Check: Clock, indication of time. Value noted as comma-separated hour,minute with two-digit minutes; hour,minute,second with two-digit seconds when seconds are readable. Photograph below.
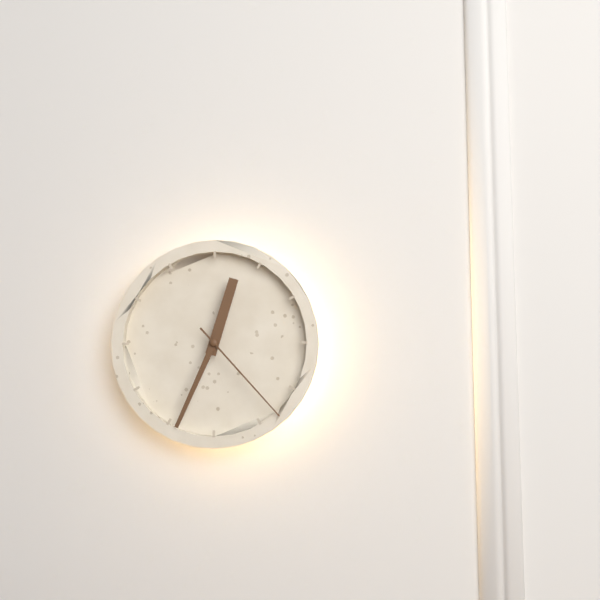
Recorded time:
12,34,23
